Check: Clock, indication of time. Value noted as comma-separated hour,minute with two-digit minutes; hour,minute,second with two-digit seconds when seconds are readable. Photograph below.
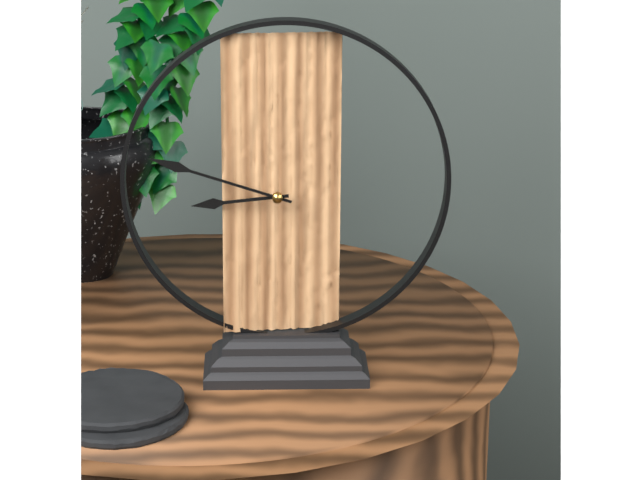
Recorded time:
8,48
